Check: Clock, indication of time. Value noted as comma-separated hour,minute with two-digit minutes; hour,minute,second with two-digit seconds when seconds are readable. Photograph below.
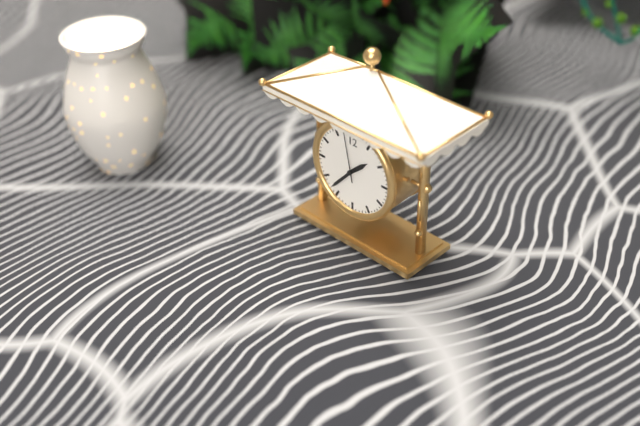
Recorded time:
1,37
